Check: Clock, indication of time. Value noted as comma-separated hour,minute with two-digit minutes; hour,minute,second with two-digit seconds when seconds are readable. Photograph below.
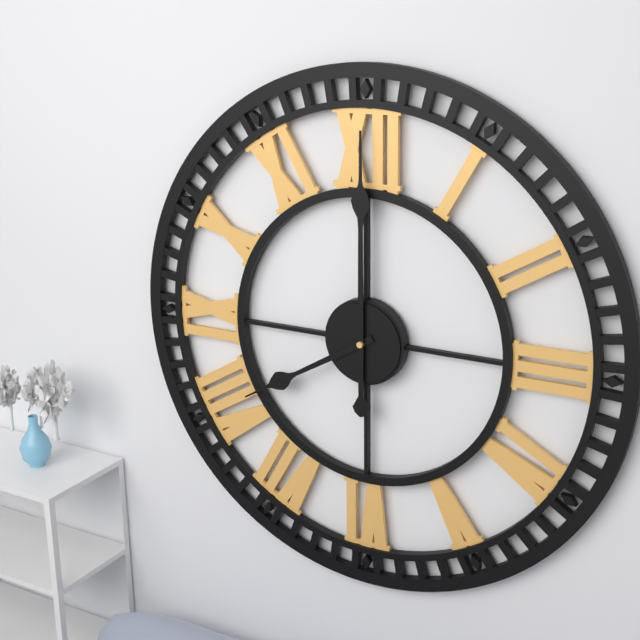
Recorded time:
8,00
